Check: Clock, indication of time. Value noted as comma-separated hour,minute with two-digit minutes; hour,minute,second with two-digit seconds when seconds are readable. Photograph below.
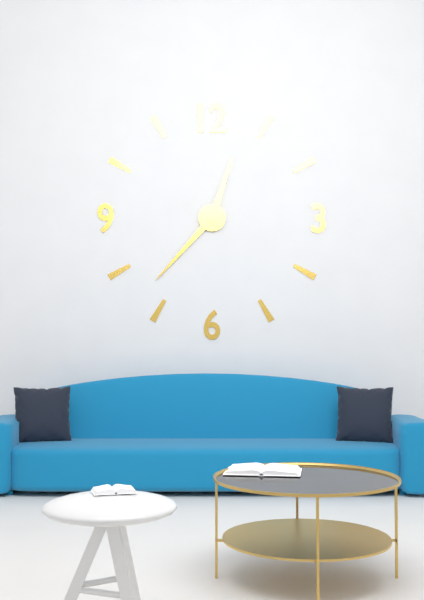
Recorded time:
12,37
